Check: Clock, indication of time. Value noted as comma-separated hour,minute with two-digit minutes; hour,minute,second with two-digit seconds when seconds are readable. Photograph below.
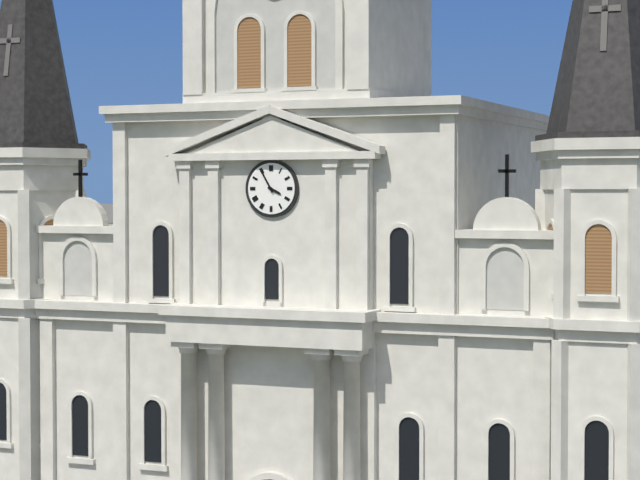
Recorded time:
3,55
